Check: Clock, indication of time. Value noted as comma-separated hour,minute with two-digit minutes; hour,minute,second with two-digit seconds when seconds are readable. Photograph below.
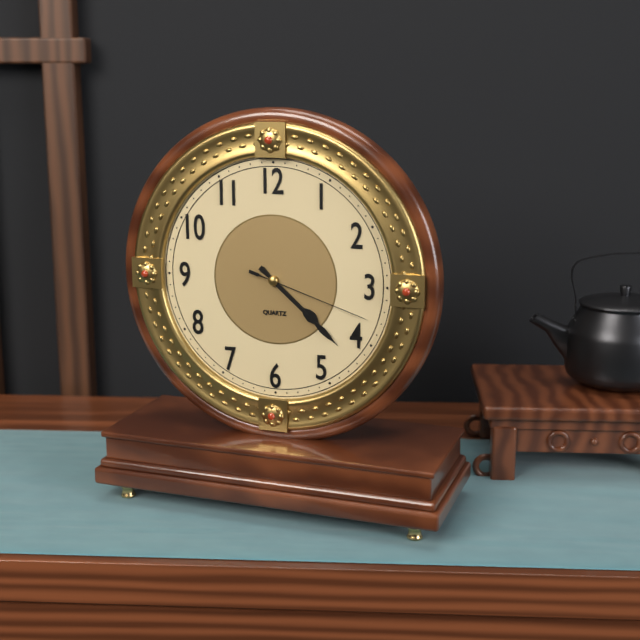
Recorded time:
4,22,18
